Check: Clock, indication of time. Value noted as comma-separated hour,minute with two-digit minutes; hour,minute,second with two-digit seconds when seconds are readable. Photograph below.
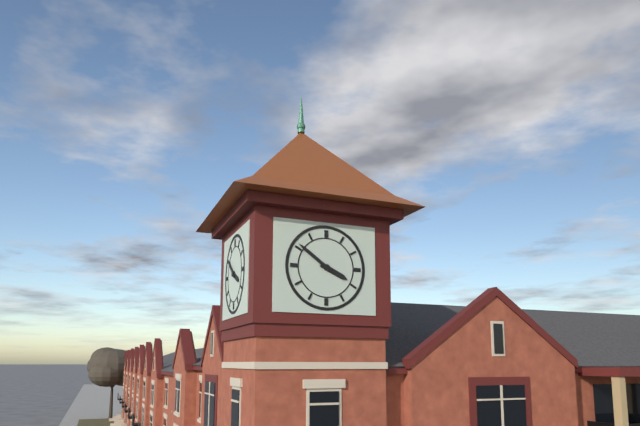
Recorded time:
3,51
